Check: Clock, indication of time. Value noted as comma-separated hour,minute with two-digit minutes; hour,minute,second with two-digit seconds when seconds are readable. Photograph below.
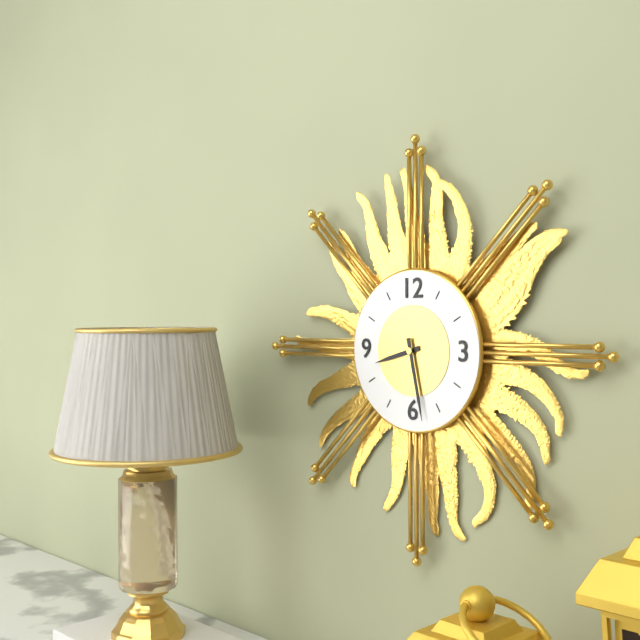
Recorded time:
8,28
